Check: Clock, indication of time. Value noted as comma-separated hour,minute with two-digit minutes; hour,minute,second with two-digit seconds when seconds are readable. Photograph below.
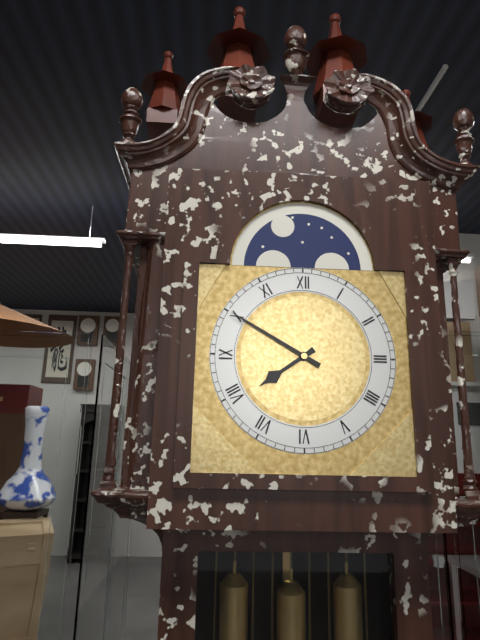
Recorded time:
7,50
